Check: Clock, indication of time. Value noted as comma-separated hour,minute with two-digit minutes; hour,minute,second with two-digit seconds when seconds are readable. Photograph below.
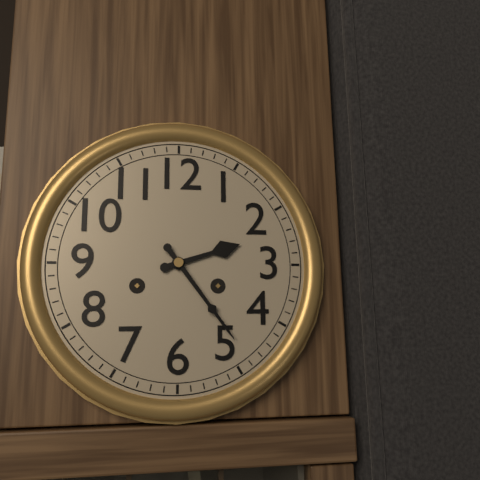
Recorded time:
2,24
